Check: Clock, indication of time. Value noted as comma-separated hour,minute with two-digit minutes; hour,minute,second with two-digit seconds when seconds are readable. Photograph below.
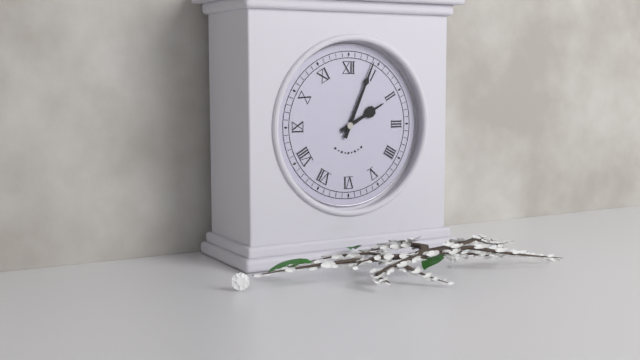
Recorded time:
2,04
